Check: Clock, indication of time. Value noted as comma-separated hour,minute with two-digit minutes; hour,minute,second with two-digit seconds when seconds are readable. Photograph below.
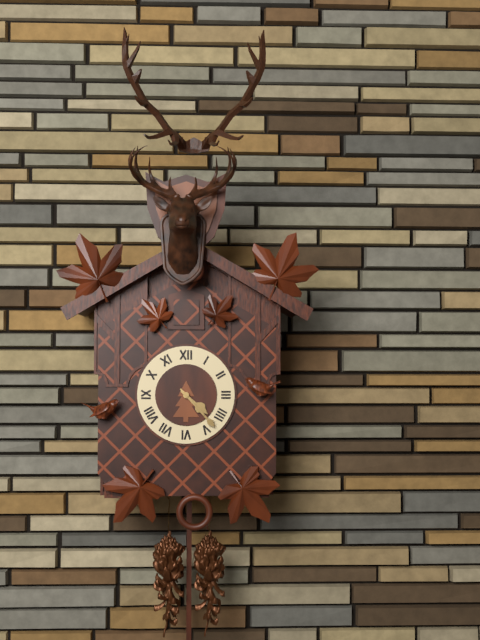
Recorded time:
4,23
